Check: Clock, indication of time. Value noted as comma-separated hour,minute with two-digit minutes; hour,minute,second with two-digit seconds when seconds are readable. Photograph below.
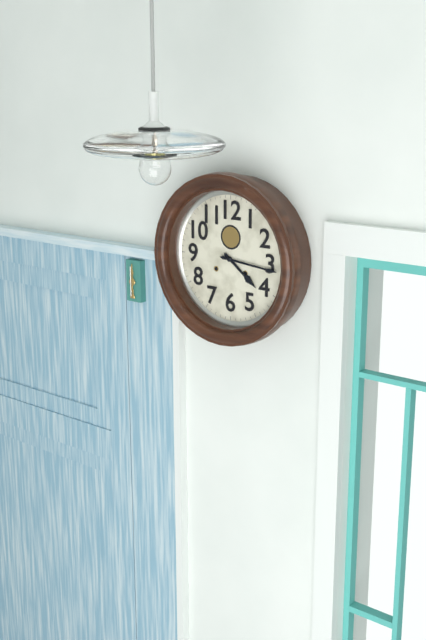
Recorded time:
4,16
